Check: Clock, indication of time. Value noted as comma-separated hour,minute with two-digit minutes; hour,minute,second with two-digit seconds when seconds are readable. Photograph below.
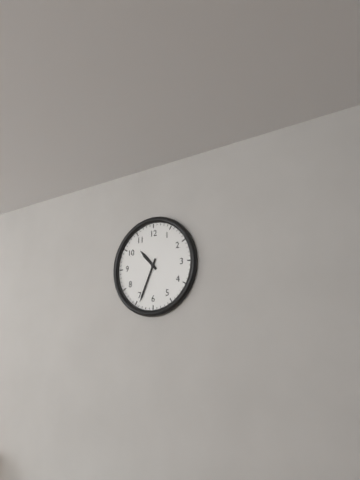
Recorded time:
10,34
